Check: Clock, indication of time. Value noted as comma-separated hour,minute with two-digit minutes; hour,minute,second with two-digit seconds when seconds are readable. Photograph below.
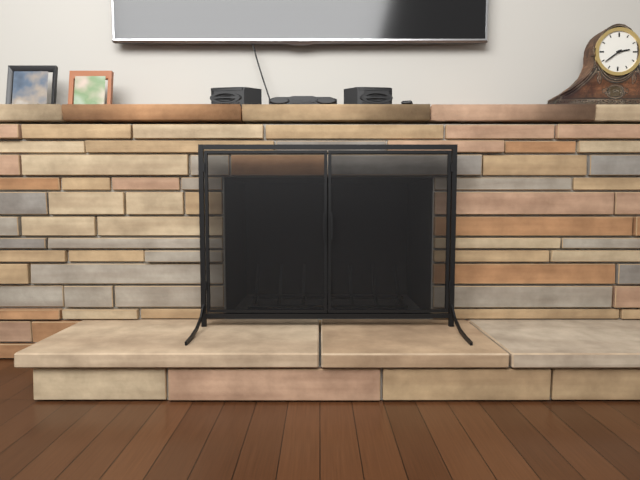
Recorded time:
2,39
